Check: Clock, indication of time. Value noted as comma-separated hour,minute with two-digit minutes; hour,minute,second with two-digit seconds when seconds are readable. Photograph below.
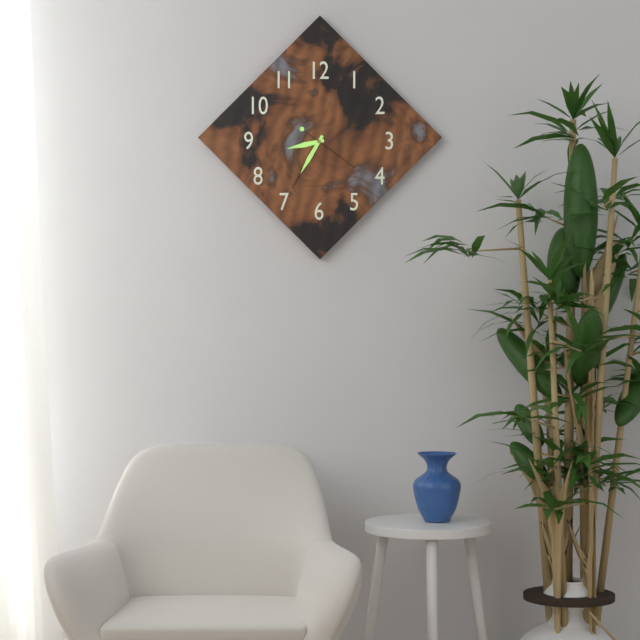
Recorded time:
8,35,21
